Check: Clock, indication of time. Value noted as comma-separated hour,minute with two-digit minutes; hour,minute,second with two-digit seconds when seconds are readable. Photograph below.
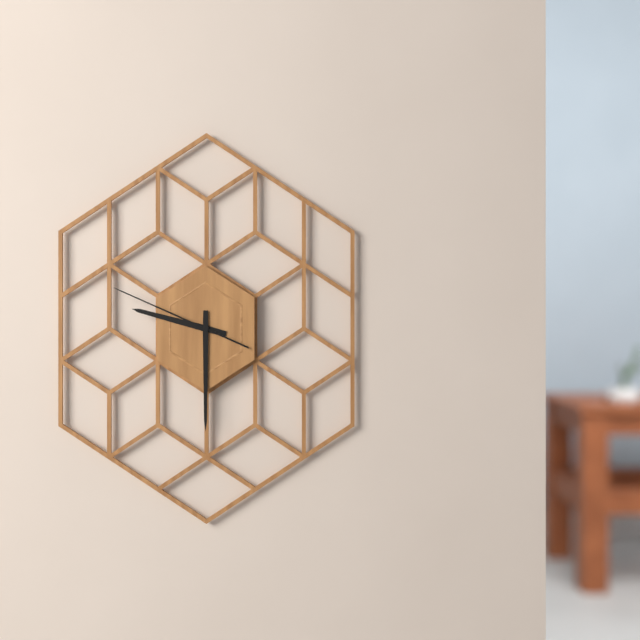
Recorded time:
9,30,49
